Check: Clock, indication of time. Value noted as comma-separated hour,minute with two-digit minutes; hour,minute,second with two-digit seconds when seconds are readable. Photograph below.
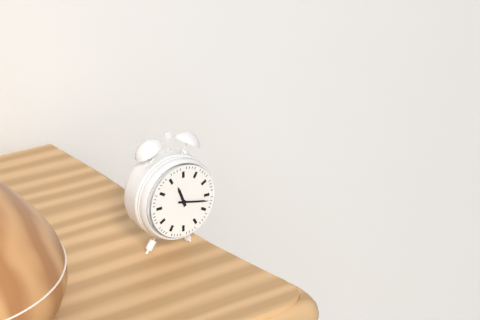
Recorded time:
11,17
